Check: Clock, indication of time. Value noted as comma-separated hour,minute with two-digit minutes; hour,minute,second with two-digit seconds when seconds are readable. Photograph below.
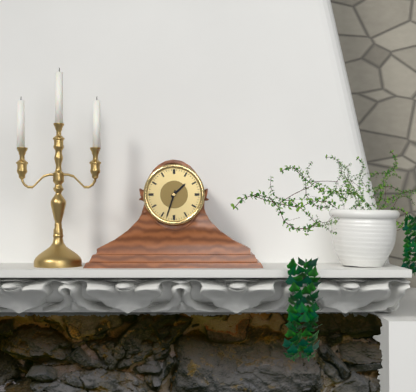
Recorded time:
1,33
